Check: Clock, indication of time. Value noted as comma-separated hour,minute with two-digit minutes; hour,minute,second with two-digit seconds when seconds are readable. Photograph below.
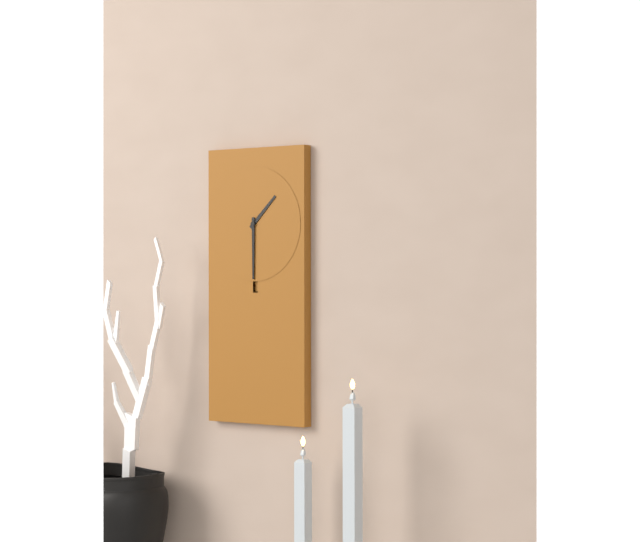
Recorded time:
1,30
